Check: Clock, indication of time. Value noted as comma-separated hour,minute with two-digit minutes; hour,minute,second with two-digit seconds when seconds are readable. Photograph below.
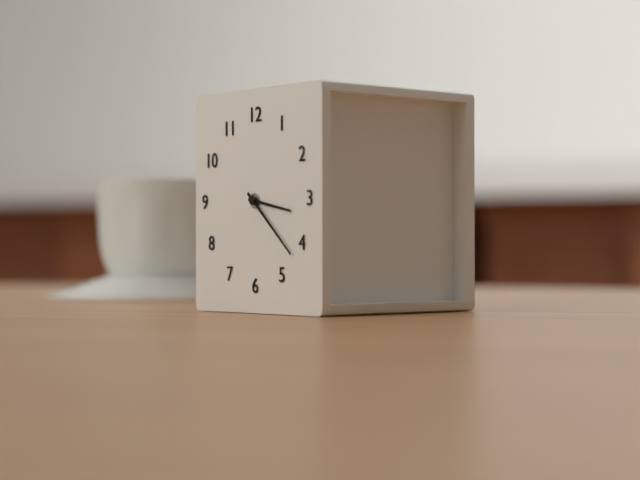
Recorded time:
3,22
